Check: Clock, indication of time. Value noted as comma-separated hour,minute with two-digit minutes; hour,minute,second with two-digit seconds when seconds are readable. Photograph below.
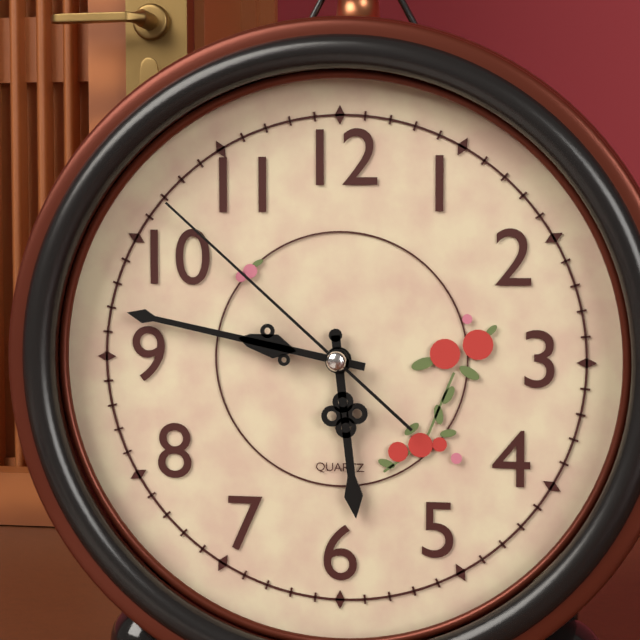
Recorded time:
5,47,52
